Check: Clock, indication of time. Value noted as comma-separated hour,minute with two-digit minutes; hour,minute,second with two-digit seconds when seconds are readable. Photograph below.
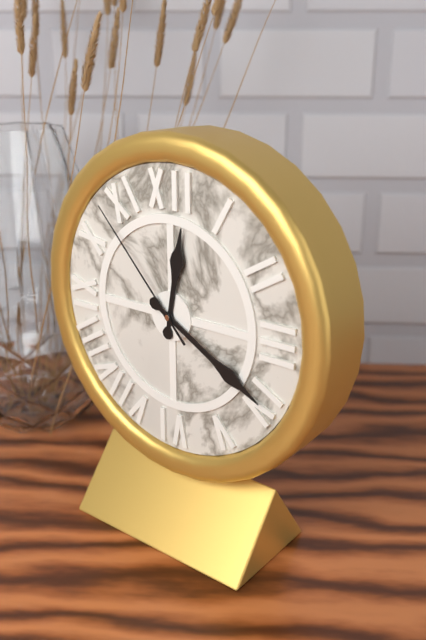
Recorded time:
12,20,53
